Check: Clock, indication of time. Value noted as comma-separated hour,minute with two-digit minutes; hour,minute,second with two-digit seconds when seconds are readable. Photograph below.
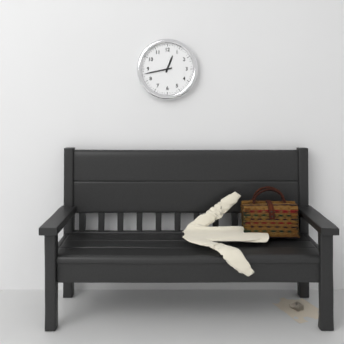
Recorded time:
12,43
